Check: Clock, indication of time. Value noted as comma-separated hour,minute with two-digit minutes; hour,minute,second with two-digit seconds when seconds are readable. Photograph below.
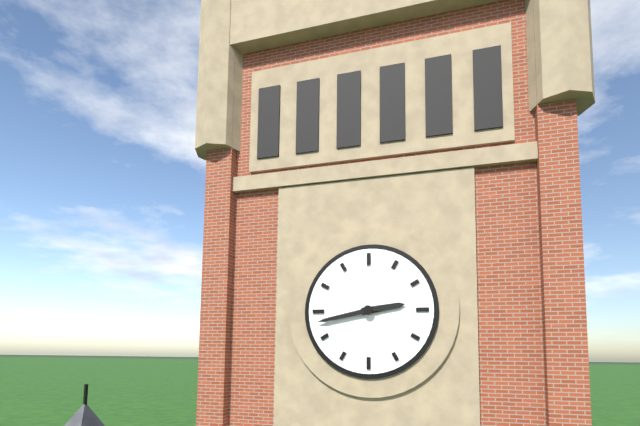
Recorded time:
2,43
